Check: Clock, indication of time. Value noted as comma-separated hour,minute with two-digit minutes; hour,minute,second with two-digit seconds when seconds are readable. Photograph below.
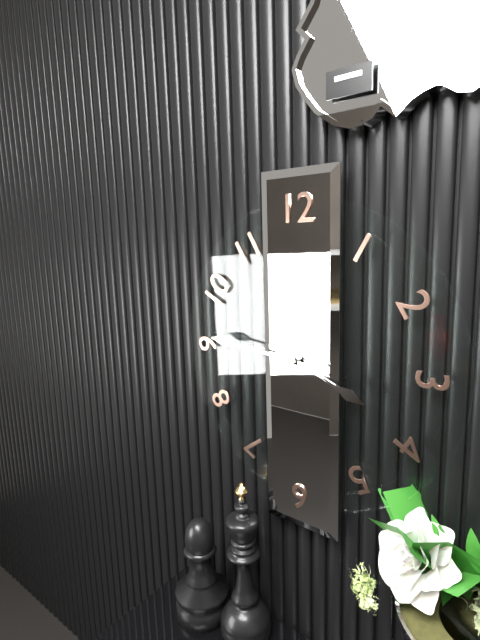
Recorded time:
3,46
